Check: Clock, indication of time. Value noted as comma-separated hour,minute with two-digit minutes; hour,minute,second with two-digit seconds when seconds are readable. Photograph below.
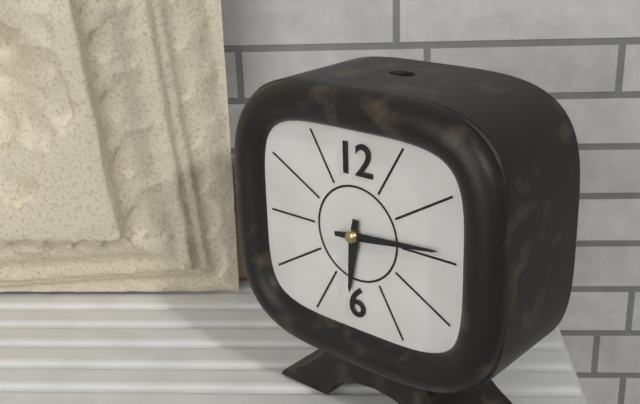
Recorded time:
6,14
